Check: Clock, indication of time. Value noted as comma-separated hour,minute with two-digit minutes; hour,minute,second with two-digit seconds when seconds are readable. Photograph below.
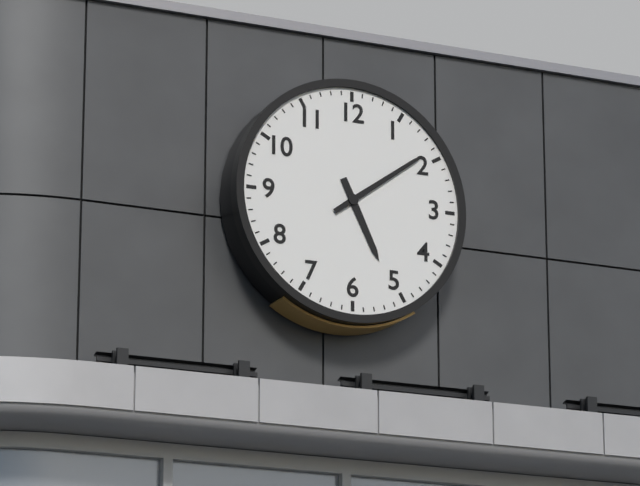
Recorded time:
5,09
